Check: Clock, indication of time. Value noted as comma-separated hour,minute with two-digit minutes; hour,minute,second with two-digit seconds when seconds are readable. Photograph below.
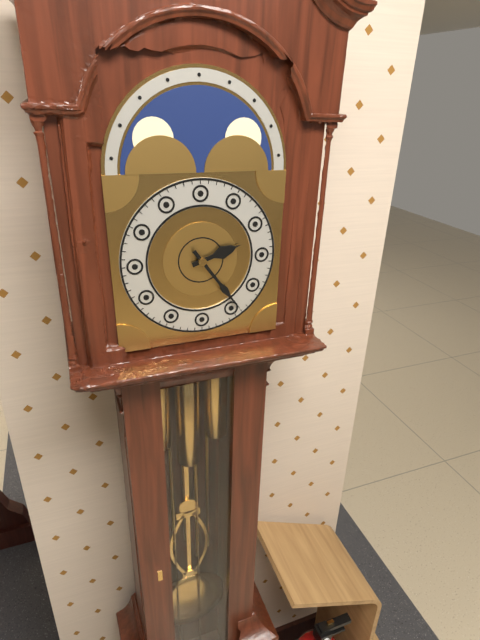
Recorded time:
2,24
